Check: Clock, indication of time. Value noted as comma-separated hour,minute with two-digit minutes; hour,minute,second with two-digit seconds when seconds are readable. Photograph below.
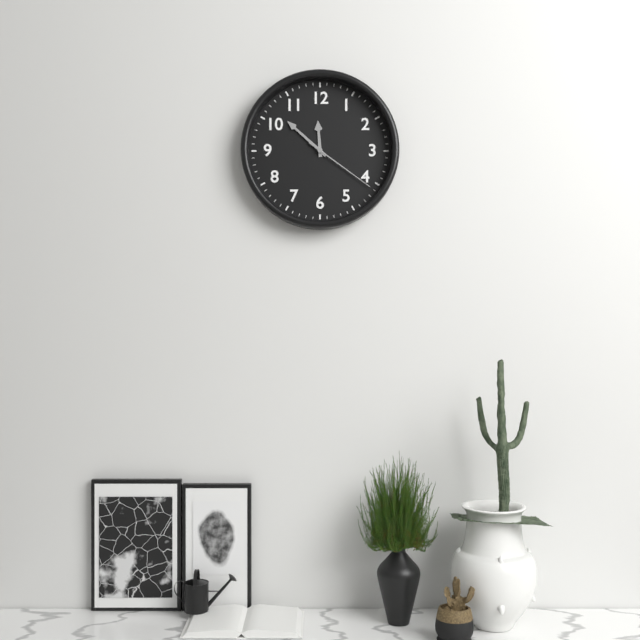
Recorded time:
11,52,21
